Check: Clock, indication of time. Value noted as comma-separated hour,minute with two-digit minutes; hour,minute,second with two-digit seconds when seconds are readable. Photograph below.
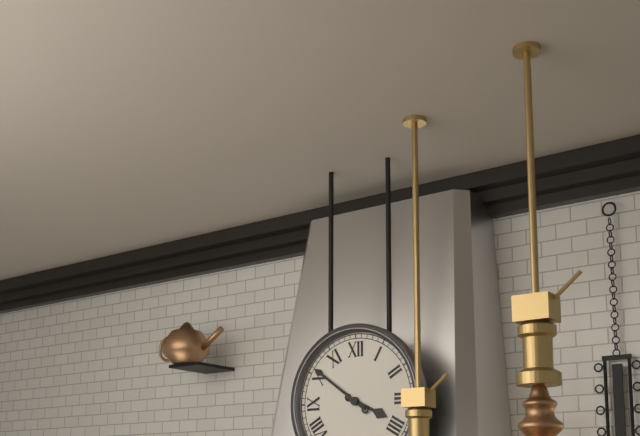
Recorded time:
3,51
